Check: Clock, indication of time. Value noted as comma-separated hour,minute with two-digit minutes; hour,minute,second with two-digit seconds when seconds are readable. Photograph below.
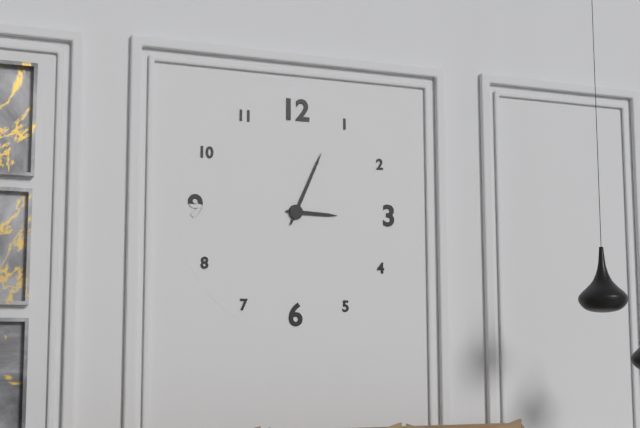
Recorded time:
3,04
